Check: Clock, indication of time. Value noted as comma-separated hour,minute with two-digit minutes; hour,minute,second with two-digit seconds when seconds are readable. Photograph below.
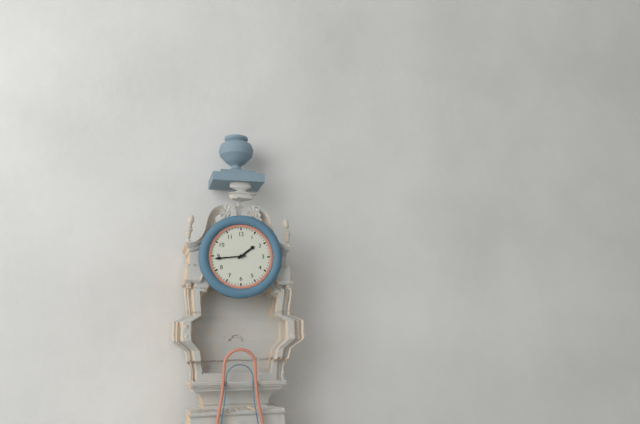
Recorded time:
1,44
